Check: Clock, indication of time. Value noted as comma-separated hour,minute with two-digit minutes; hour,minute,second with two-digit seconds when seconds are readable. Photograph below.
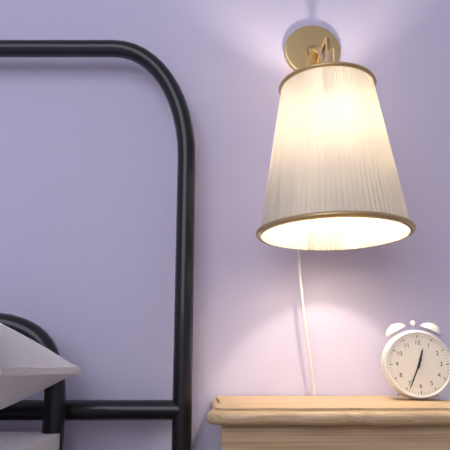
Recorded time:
12,34
